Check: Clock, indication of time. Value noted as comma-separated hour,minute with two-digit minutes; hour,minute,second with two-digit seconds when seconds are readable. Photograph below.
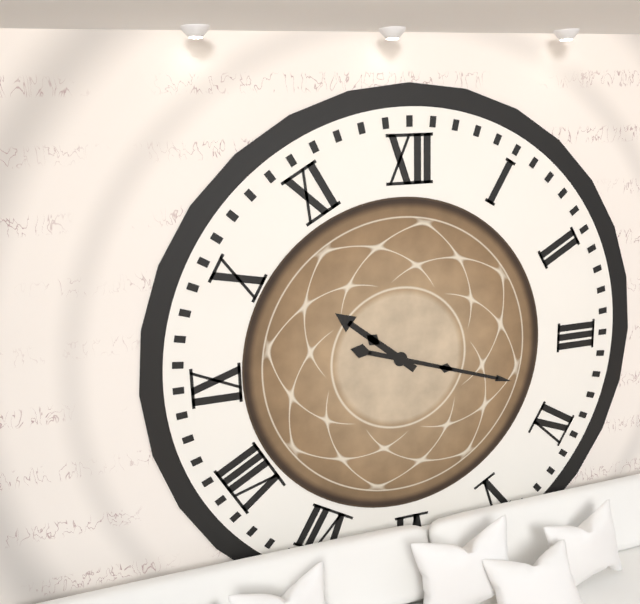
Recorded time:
10,18
